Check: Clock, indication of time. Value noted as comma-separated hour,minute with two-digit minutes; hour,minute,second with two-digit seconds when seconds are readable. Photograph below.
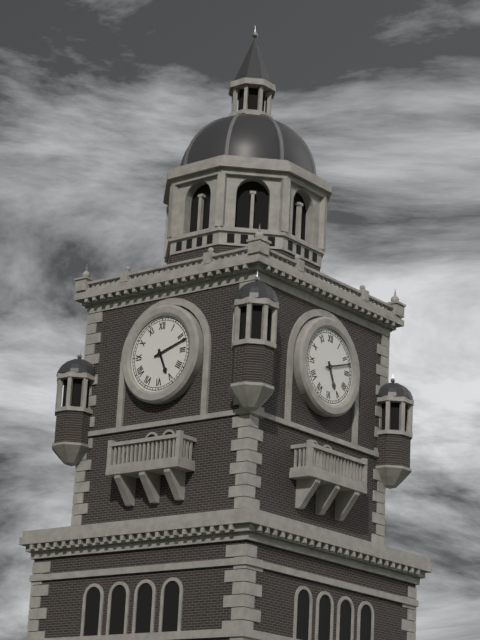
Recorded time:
5,12
